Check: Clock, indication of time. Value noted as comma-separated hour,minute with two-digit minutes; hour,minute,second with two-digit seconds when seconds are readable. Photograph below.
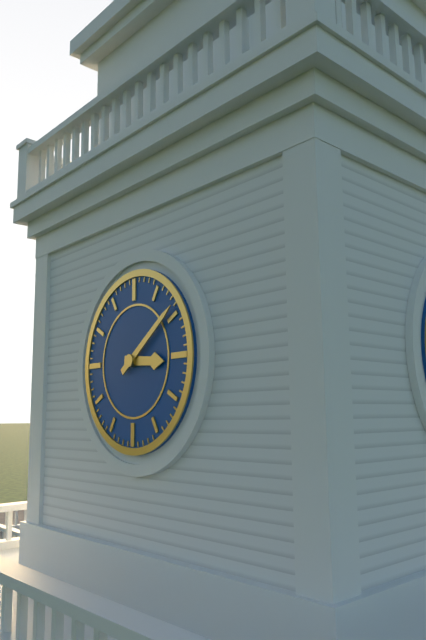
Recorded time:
3,09
